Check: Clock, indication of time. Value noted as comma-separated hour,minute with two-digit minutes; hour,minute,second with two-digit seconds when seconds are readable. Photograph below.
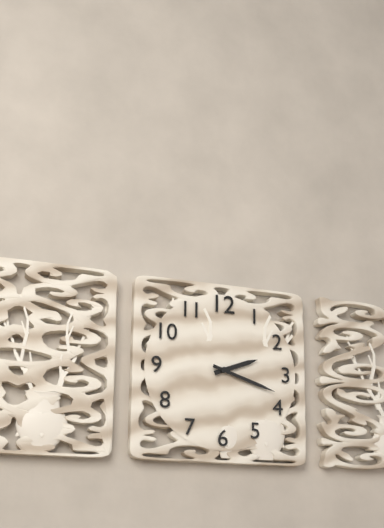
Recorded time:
2,18
